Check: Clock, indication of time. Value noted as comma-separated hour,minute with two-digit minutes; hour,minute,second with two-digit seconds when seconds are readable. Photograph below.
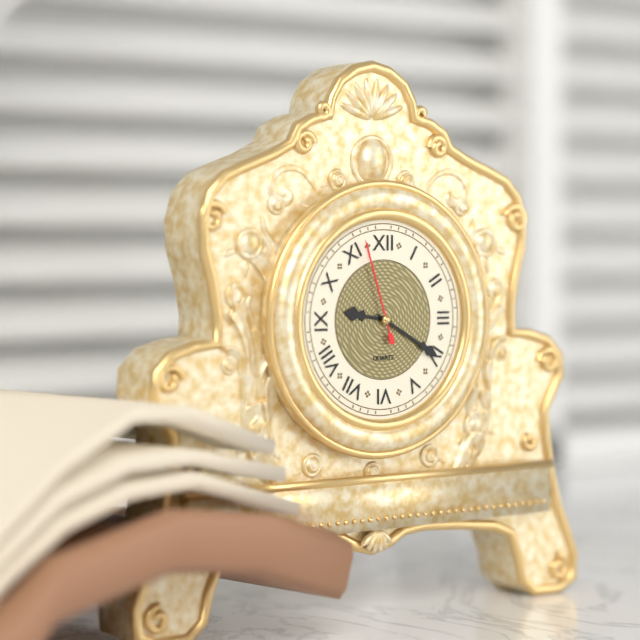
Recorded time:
9,20,57
